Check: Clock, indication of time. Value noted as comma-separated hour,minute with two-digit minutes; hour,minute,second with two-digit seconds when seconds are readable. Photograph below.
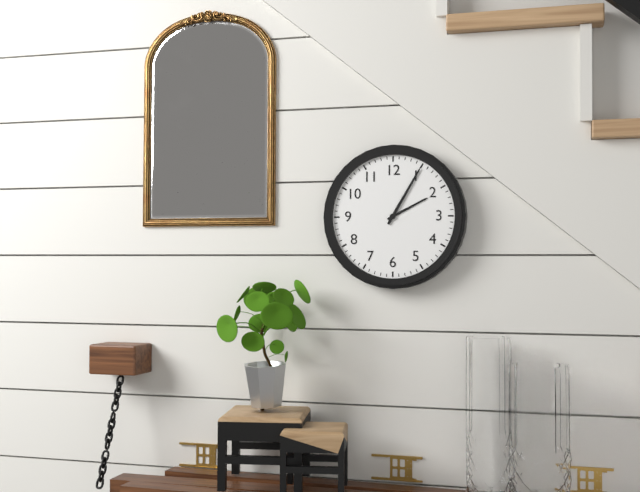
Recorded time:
2,05
